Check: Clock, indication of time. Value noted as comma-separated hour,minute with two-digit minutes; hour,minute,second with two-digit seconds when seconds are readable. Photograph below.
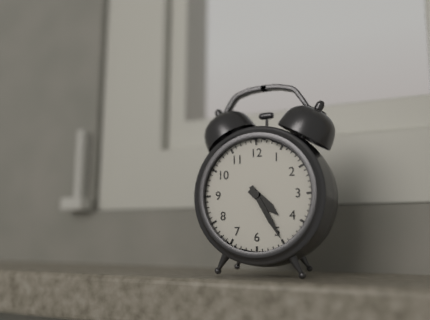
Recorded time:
4,25
